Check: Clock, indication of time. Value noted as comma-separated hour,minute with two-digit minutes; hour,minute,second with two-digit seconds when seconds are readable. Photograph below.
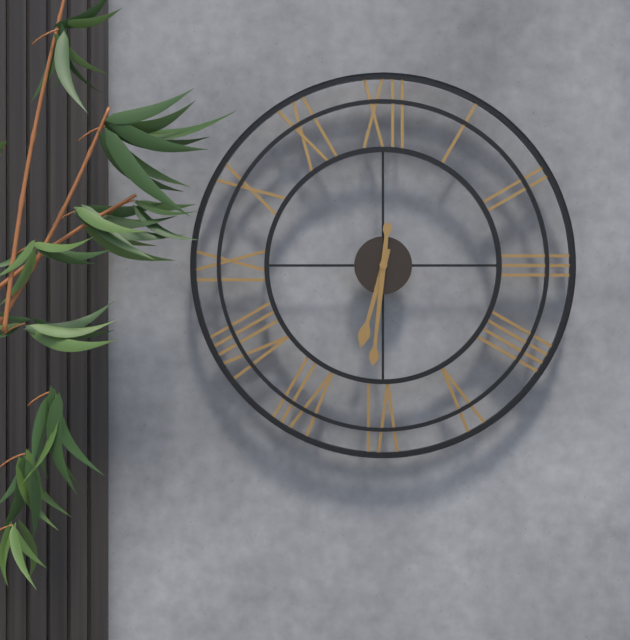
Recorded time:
6,31
